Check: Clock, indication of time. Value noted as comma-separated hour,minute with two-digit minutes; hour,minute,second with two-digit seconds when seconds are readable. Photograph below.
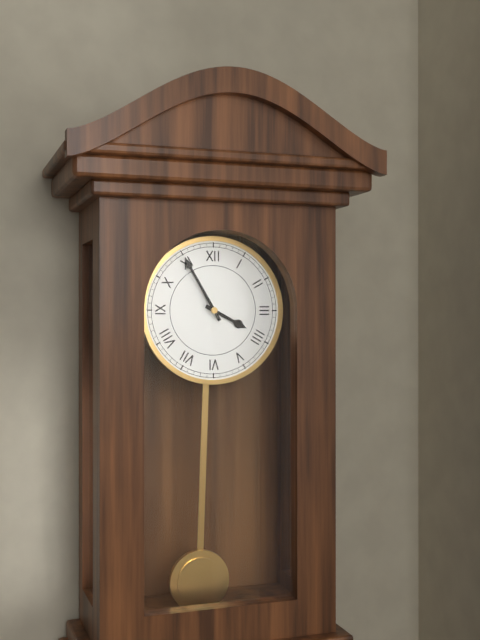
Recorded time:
3,55
